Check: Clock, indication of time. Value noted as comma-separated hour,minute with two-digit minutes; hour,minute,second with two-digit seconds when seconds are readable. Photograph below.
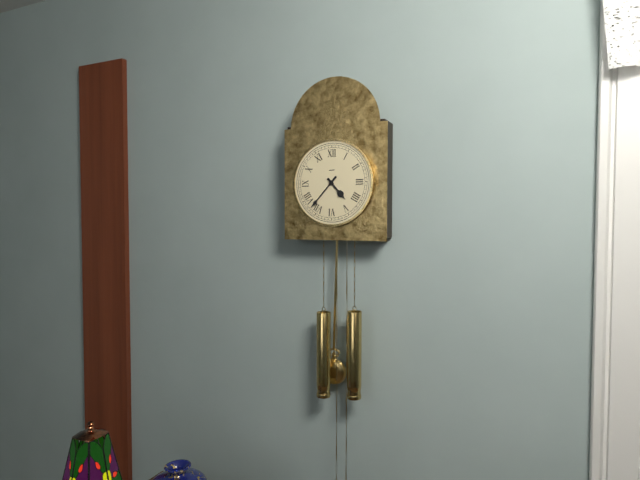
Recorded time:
4,37
